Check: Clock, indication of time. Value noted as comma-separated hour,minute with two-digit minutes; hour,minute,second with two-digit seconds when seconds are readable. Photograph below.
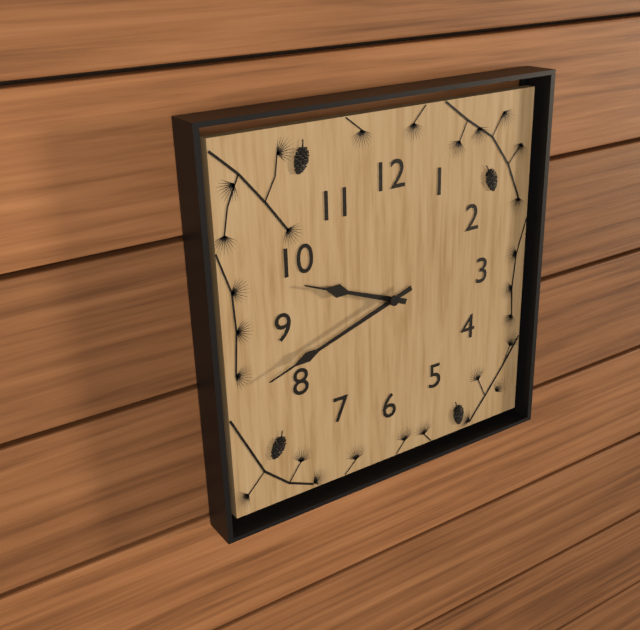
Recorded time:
9,42
